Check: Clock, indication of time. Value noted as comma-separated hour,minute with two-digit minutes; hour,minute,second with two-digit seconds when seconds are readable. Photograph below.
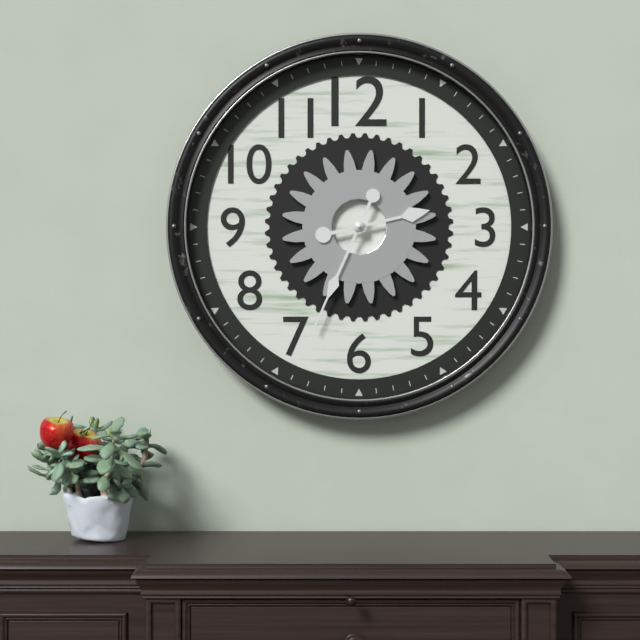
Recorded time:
2,34
